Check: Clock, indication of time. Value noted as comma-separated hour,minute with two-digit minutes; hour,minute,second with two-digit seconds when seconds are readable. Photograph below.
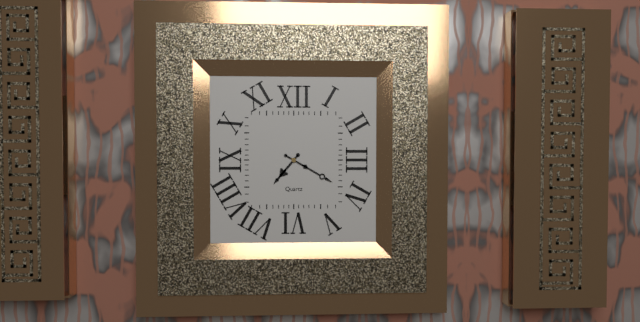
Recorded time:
7,20
